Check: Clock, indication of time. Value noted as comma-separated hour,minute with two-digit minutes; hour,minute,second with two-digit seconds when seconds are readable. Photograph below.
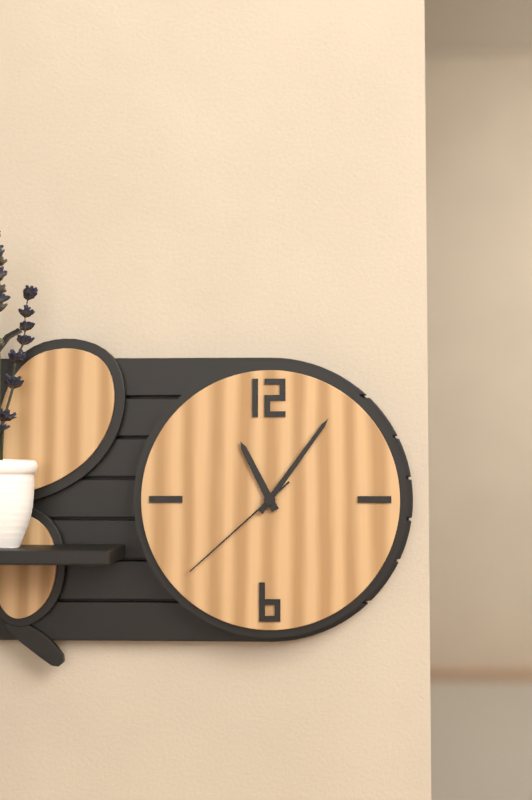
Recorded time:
11,06,38
